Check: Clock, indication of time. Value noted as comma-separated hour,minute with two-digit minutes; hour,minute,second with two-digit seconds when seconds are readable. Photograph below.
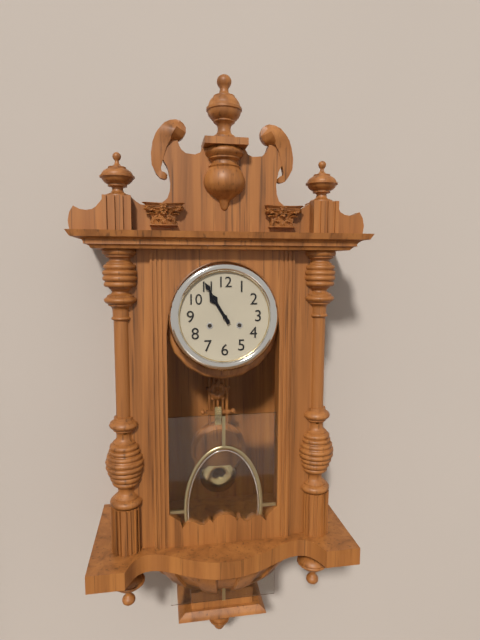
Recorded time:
10,55
